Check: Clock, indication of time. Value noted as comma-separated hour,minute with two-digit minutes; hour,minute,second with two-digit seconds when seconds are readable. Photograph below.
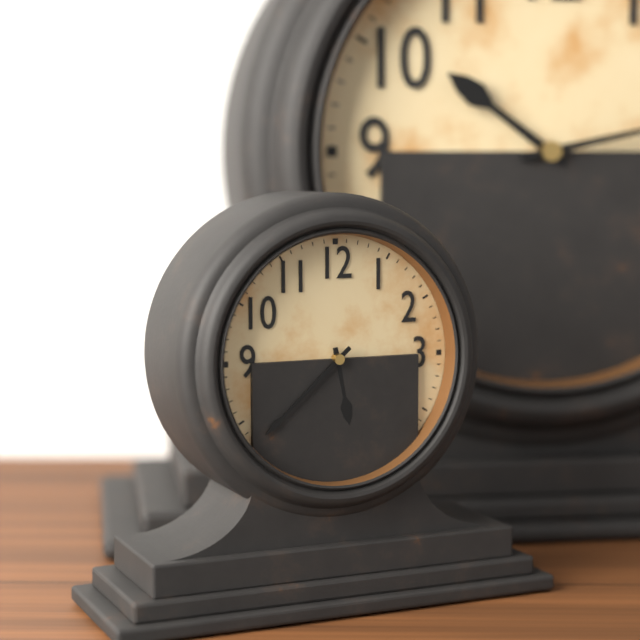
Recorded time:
5,38
